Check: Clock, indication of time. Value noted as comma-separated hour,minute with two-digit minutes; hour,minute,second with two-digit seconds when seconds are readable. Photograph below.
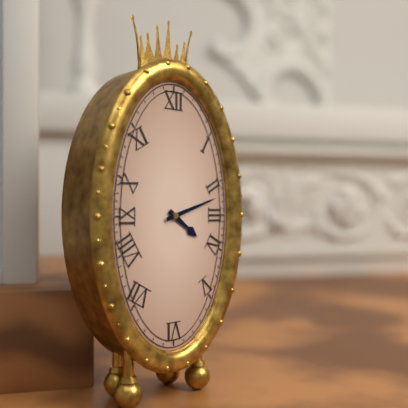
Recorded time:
4,12
